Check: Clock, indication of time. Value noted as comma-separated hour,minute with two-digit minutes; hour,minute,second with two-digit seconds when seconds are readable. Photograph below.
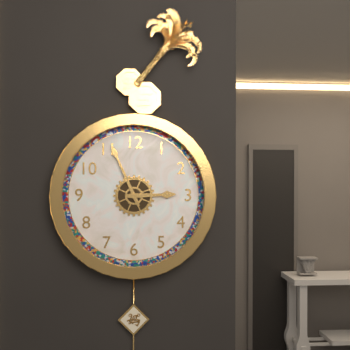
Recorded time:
2,56
